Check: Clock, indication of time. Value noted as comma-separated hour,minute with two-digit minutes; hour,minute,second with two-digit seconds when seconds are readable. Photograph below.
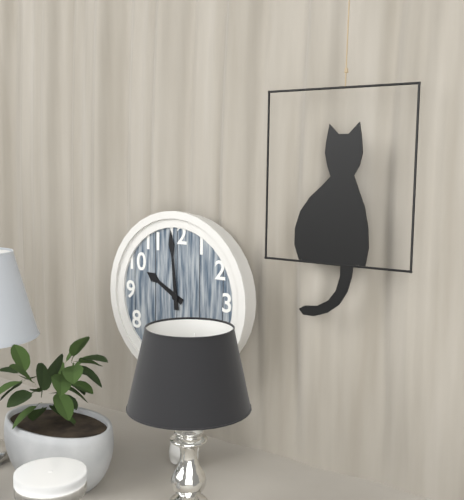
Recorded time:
9,59
